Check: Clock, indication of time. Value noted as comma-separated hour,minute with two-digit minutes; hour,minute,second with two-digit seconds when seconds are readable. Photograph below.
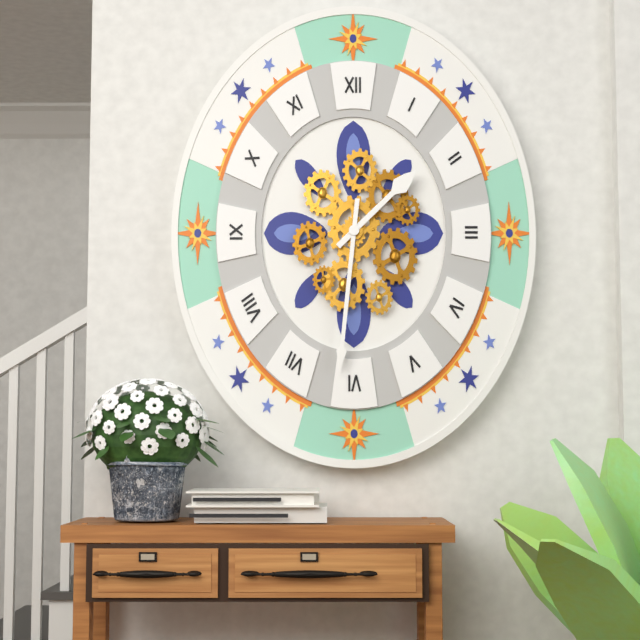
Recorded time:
1,31
